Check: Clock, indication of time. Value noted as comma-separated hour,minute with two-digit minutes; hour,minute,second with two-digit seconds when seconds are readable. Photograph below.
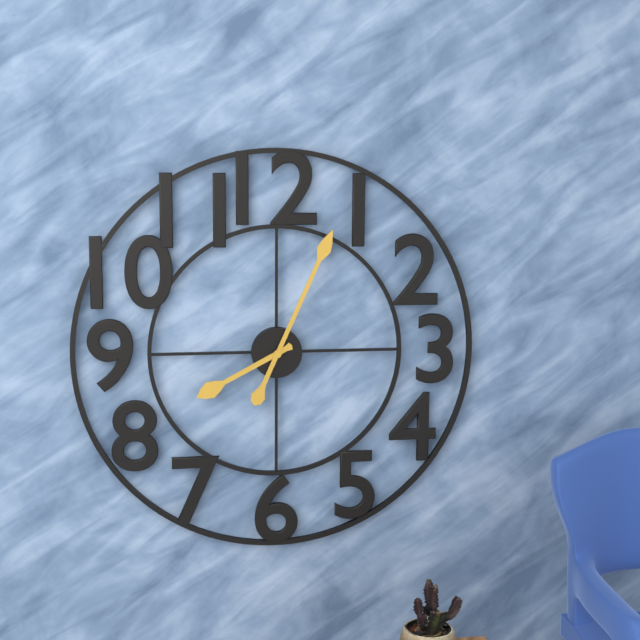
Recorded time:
8,04
